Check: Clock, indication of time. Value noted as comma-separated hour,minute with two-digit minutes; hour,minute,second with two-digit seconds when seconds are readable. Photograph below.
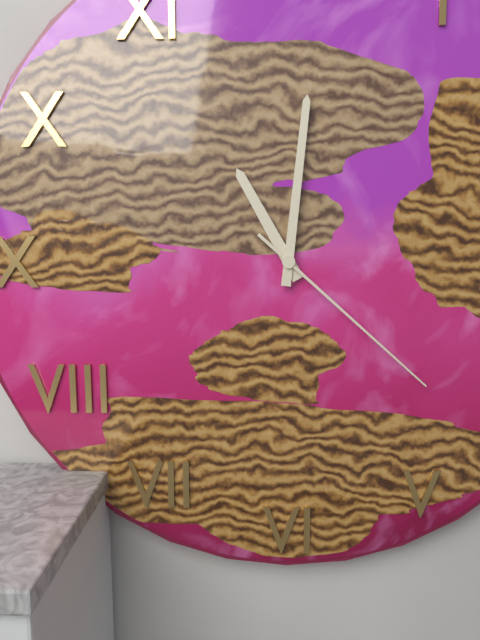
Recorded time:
11,01,22
